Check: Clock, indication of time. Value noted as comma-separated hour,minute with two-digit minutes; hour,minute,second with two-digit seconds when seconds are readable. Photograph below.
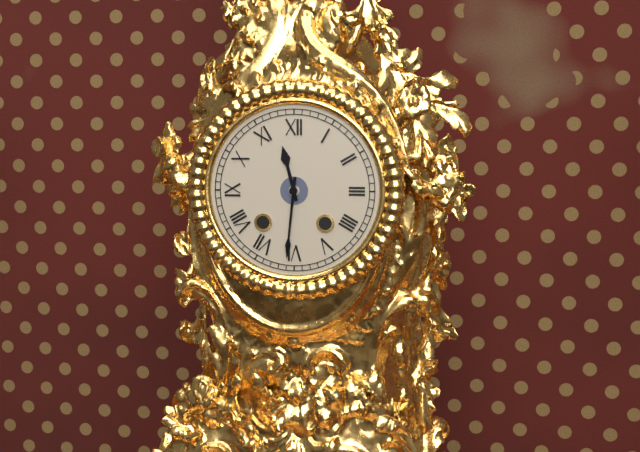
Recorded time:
11,31
